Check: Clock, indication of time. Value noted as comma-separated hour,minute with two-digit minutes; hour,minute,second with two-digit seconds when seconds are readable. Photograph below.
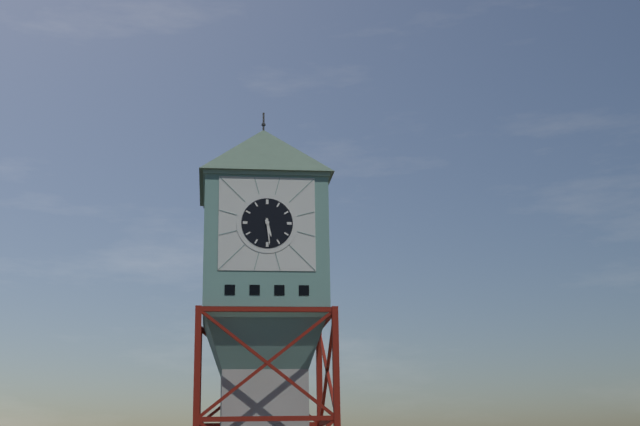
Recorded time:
5,29
